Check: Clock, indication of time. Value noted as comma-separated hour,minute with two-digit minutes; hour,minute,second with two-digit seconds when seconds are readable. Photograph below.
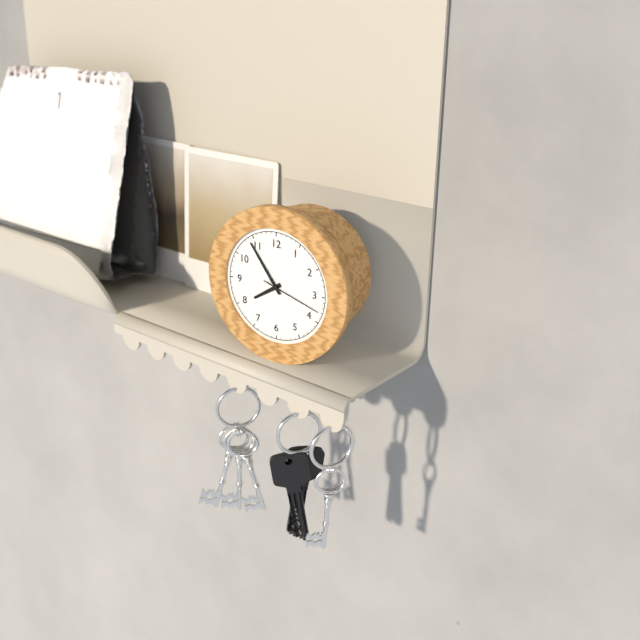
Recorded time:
7,54,18
